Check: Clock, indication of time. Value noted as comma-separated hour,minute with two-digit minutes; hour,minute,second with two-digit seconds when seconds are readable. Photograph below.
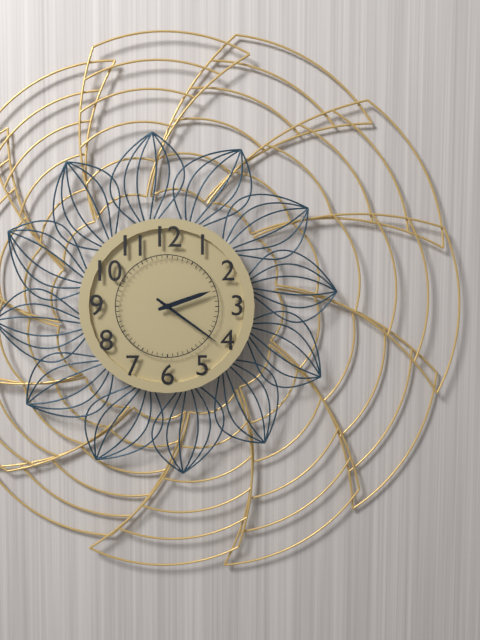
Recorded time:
2,21
